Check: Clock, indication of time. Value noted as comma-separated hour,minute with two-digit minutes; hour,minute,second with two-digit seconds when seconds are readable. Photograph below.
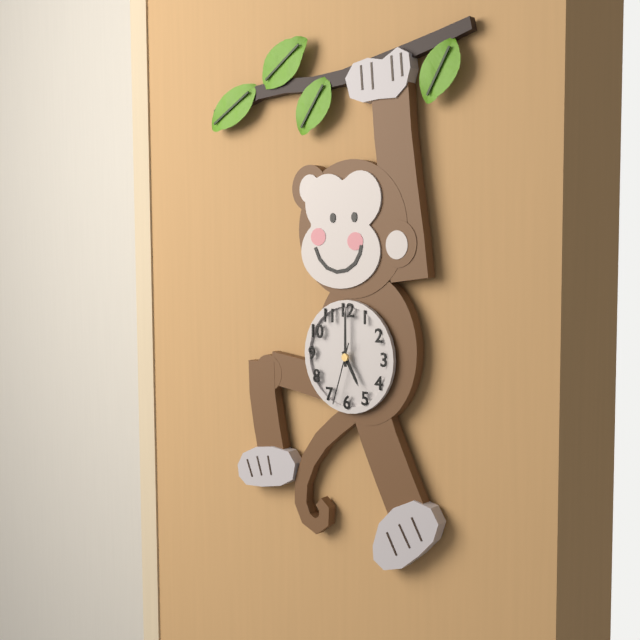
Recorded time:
5,00,33
